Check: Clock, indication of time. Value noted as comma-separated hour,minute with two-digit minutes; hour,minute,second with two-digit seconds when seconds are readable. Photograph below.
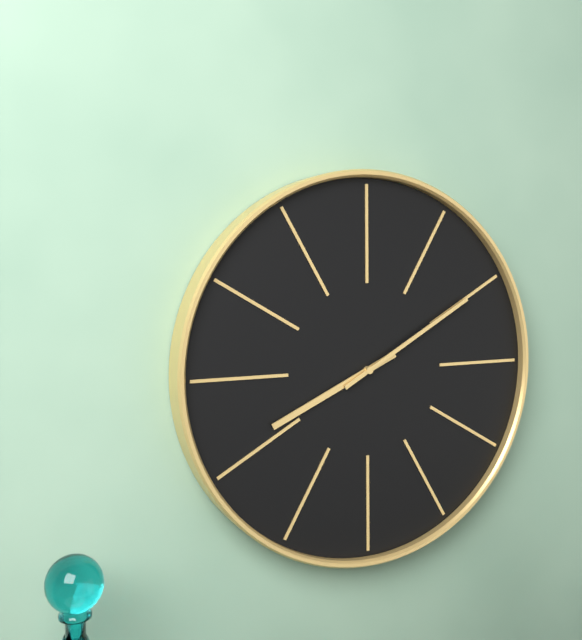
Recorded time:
8,10
